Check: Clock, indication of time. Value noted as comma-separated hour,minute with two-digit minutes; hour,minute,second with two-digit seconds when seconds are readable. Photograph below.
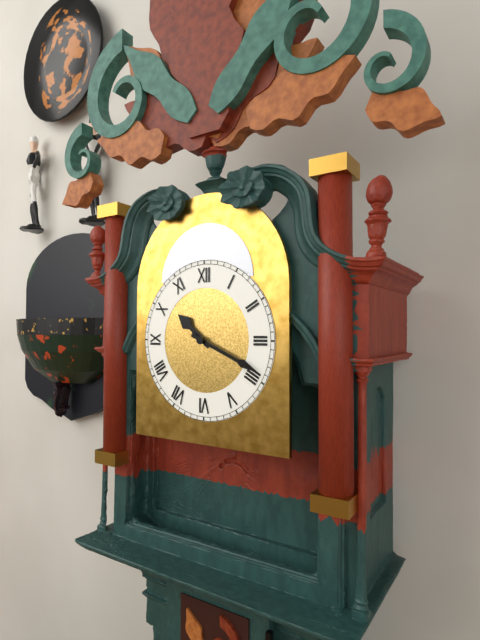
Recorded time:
10,19
